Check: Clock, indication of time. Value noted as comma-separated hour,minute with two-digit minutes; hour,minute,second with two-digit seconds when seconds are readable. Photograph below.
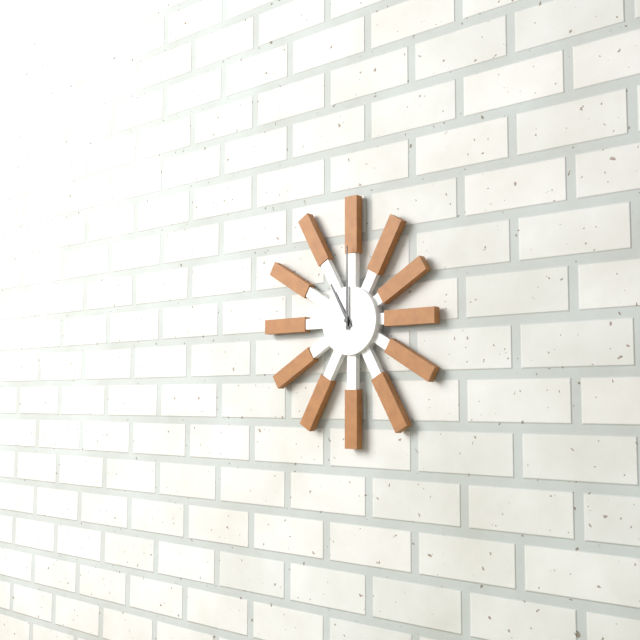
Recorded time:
11,00
